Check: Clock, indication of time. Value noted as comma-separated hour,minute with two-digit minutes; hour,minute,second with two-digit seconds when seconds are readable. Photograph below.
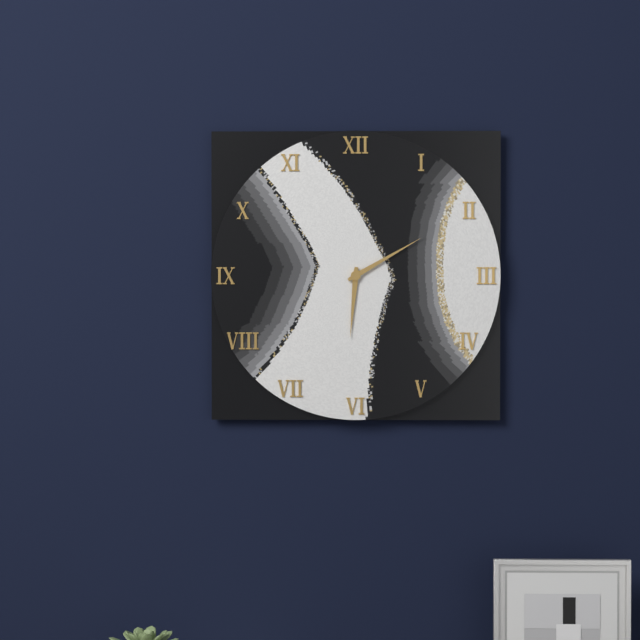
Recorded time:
6,10
